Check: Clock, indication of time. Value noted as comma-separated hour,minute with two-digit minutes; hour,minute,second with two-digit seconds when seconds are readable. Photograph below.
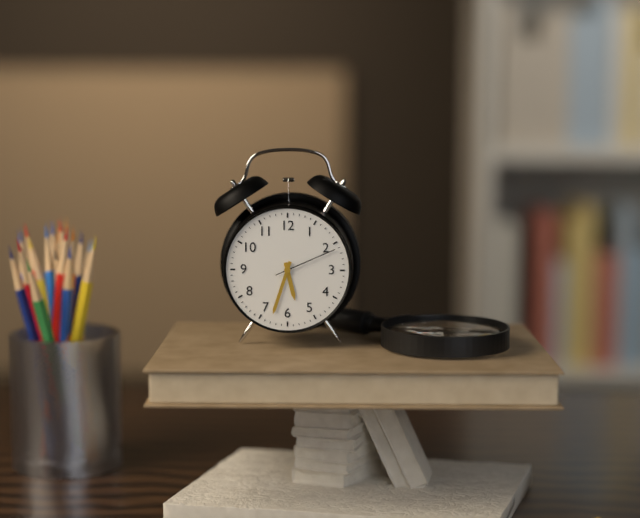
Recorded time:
5,33,11
